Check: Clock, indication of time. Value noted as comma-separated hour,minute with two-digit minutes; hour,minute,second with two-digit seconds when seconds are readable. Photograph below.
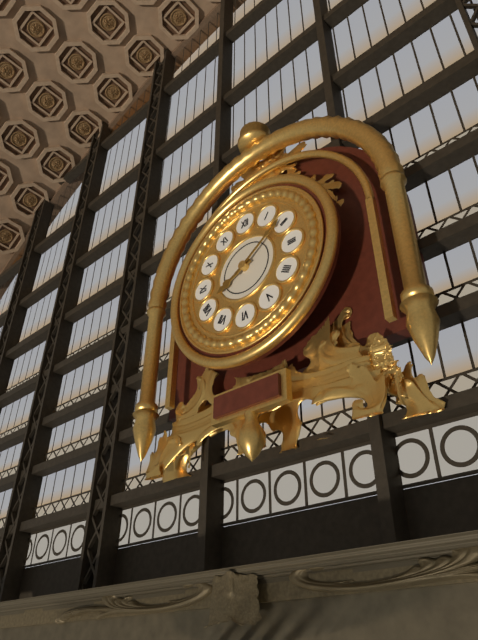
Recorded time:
8,09
